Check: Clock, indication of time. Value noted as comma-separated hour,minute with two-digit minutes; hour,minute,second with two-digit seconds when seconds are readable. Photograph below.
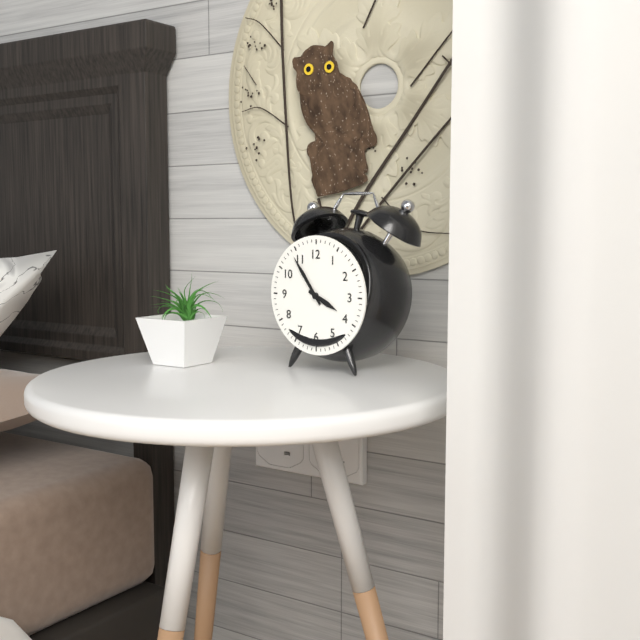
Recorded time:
3,54
